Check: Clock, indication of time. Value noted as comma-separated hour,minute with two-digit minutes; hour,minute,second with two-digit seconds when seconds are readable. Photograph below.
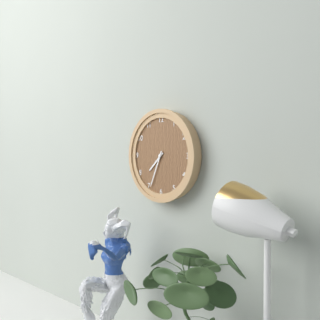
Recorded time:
7,34
